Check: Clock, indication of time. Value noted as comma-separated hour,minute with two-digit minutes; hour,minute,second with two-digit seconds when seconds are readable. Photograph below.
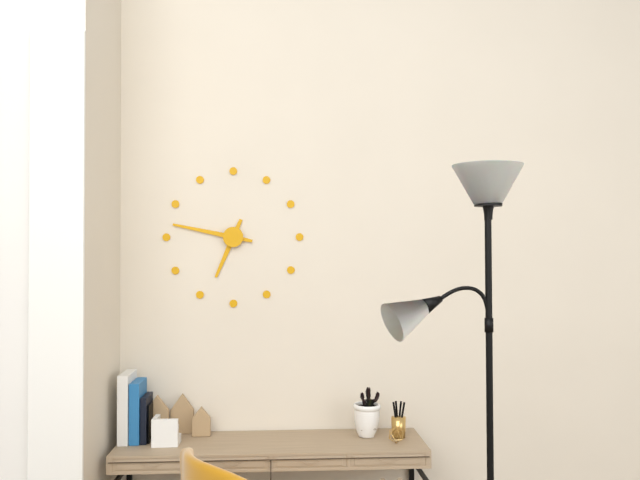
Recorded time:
6,47
